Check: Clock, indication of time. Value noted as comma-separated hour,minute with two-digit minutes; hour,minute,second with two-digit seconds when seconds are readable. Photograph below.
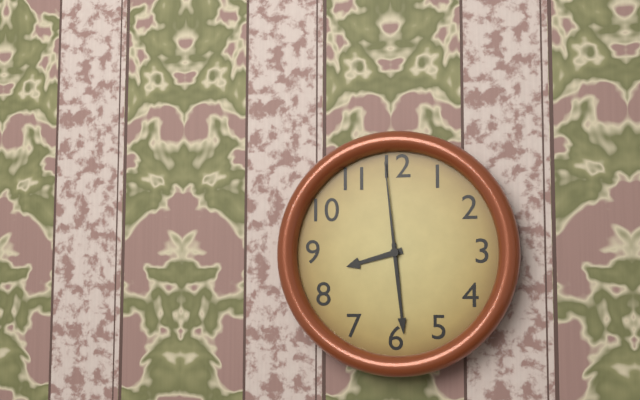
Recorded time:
8,29,59
